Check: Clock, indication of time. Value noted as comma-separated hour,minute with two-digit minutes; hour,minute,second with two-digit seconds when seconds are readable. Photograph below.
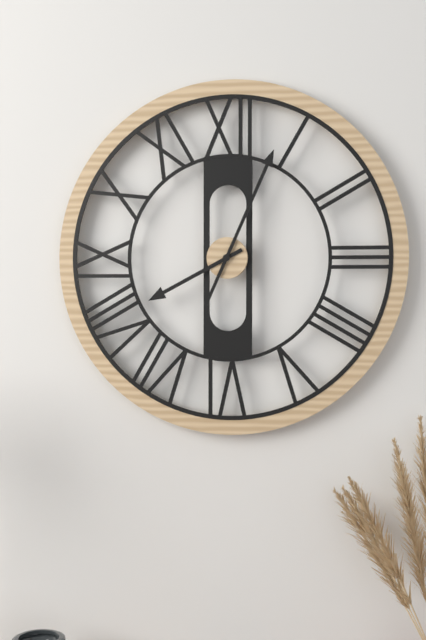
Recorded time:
8,04
